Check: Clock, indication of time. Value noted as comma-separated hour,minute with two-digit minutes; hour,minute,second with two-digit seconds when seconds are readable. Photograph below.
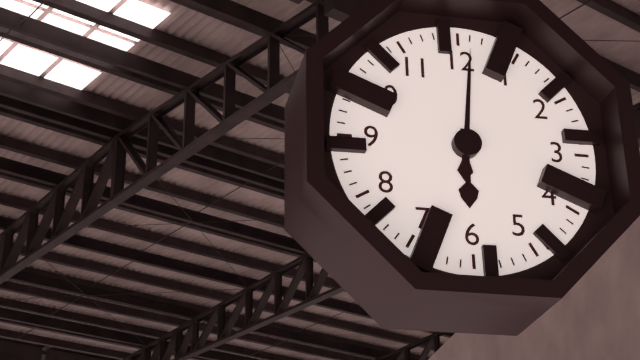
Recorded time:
6,01
